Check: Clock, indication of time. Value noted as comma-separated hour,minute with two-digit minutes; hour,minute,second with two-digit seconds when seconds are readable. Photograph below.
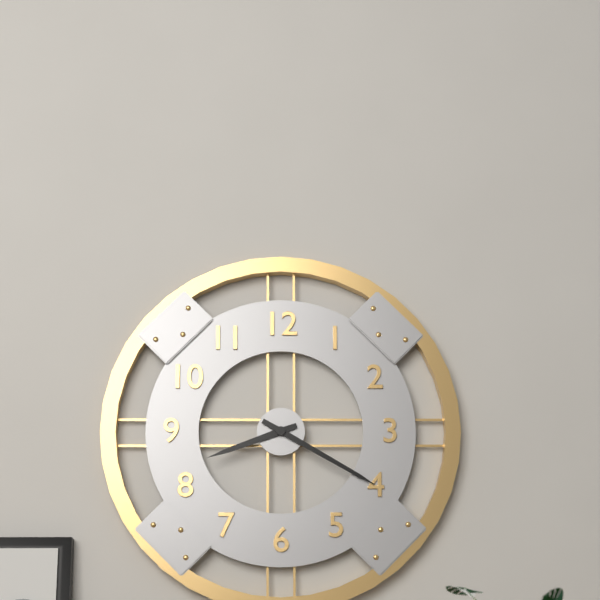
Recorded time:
8,20
